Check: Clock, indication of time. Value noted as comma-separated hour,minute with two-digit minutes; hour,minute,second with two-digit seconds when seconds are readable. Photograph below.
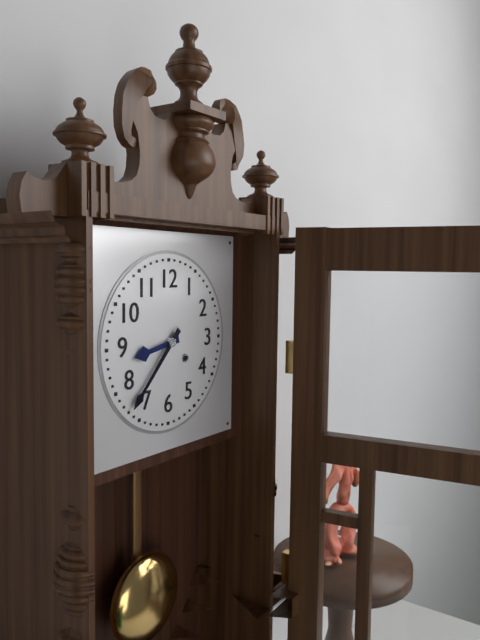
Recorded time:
8,37
